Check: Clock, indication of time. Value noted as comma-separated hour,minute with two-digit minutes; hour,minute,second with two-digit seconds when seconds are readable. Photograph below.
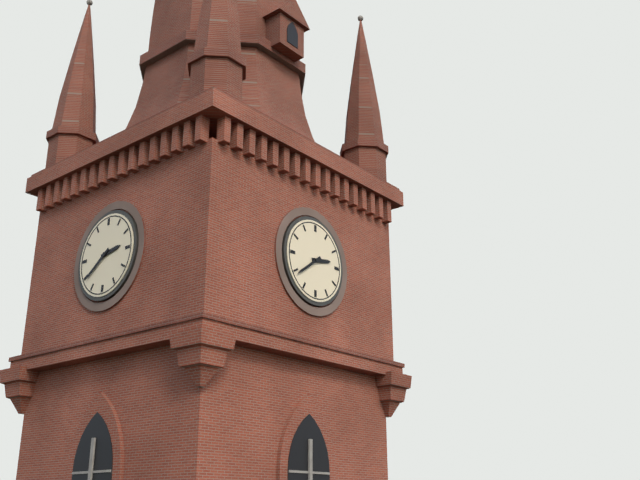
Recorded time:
2,39
